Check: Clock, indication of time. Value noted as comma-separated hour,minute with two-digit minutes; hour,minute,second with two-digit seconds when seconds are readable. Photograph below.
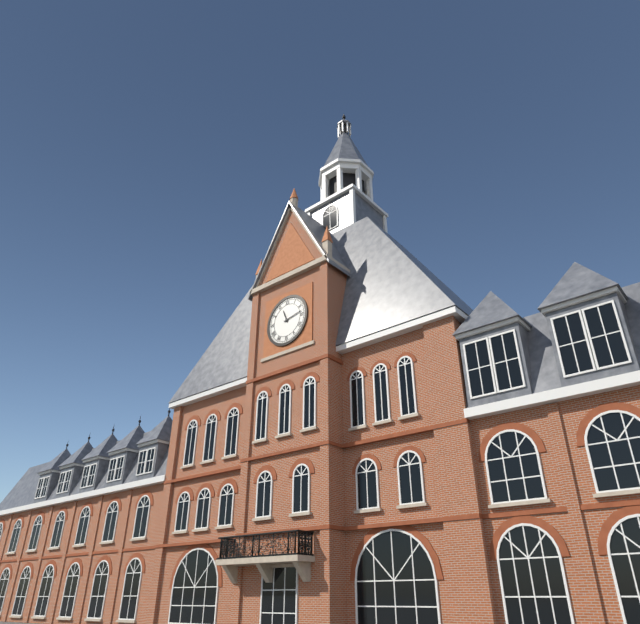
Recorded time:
11,13
